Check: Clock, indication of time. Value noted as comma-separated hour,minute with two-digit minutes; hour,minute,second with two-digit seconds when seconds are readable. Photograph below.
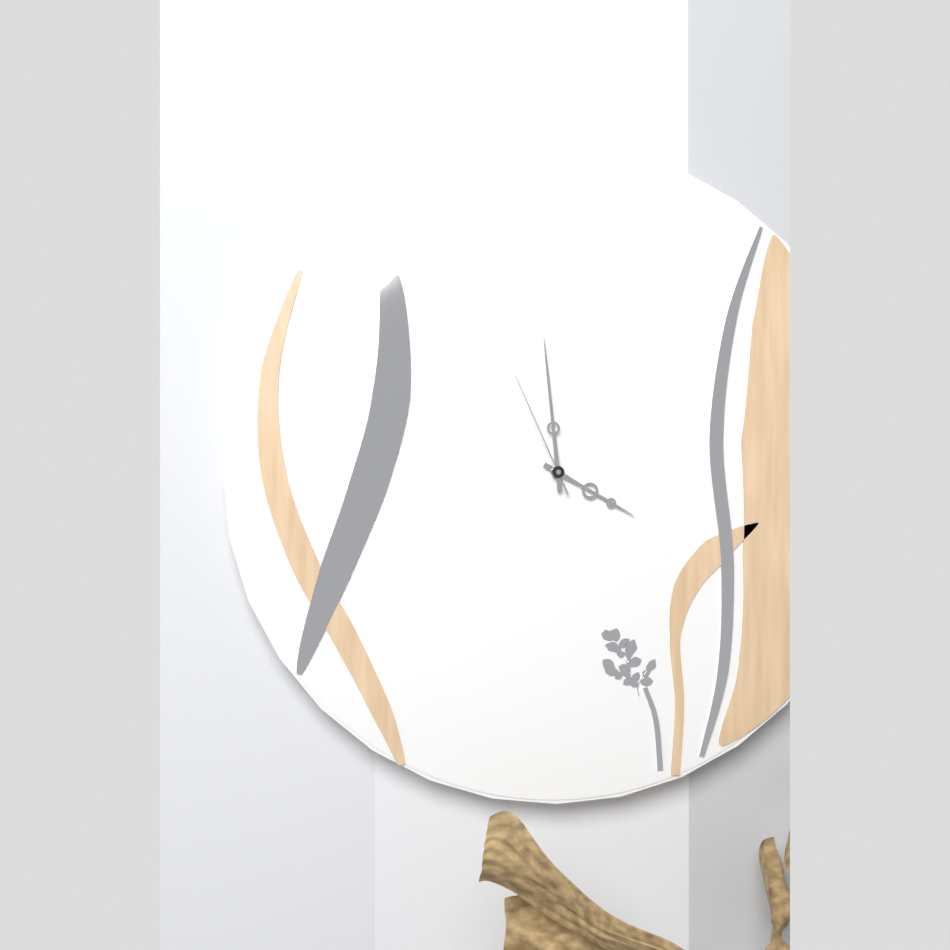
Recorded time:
3,59,56
